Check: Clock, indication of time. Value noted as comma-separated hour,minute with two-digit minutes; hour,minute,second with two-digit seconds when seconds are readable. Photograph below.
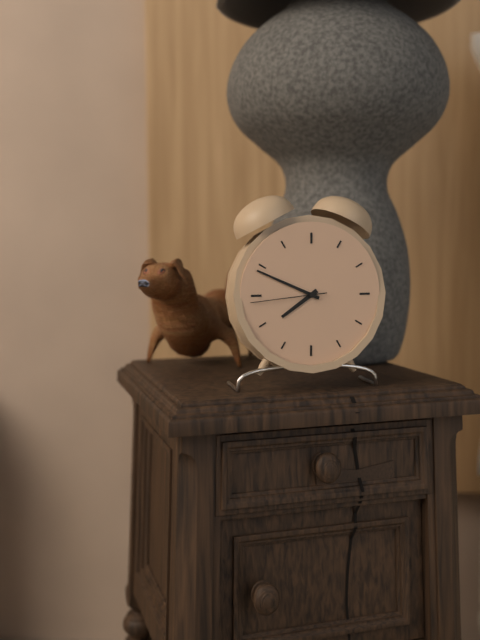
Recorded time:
7,49,44
